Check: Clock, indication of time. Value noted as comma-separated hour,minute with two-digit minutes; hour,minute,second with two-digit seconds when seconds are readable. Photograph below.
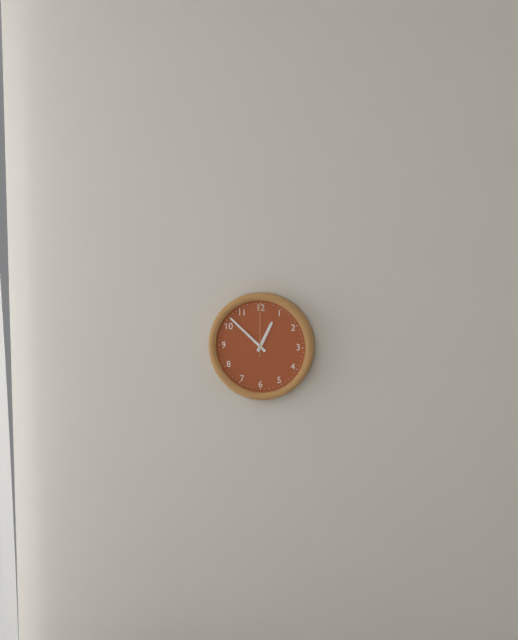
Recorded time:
12,52,00
